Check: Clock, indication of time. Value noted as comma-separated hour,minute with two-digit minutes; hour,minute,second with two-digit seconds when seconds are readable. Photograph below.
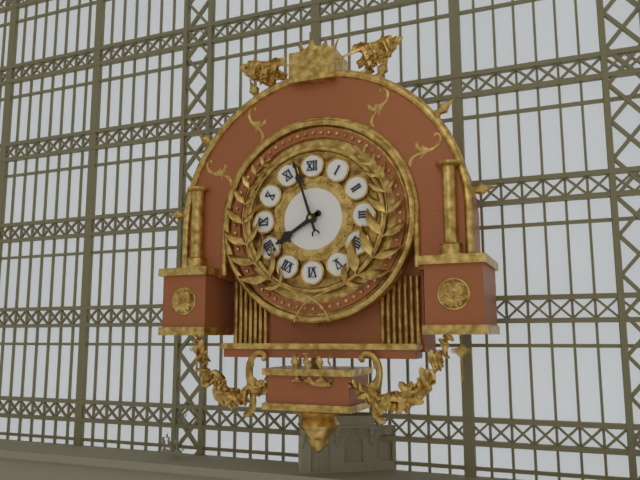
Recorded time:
7,57
